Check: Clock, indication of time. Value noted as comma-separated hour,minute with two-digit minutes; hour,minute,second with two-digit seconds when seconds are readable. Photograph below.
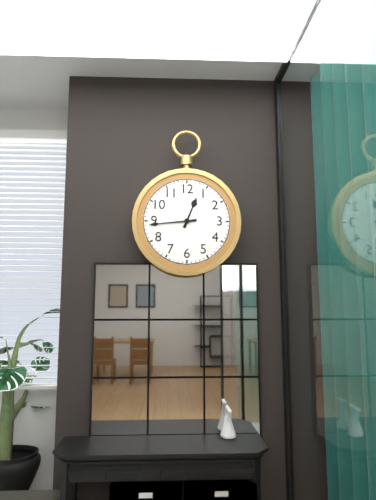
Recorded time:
12,44
